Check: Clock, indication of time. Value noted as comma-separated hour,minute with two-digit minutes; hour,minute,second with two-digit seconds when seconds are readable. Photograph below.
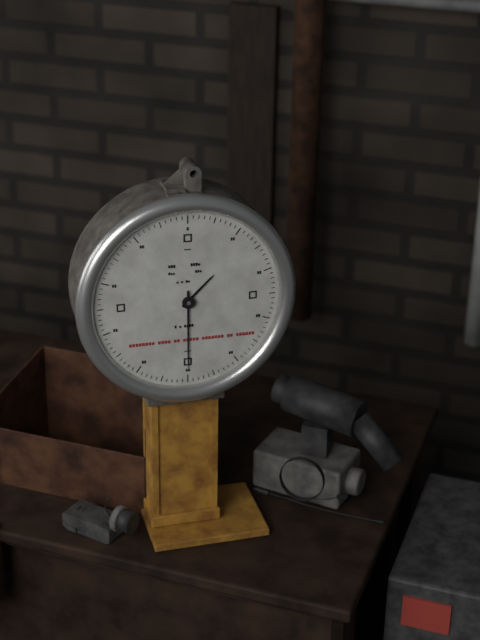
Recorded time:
1,30
